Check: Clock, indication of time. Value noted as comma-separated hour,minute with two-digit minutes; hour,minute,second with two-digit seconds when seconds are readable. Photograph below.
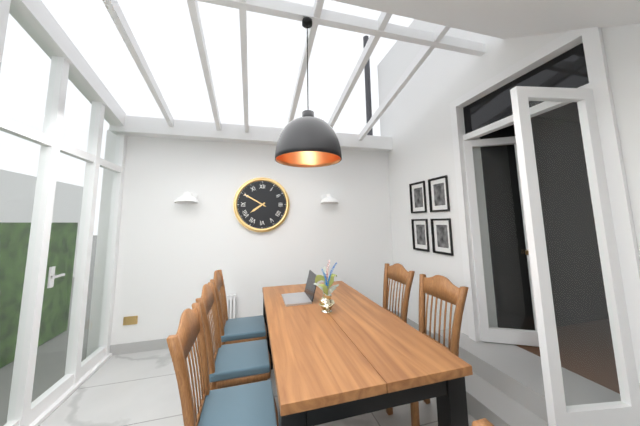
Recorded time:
7,50
